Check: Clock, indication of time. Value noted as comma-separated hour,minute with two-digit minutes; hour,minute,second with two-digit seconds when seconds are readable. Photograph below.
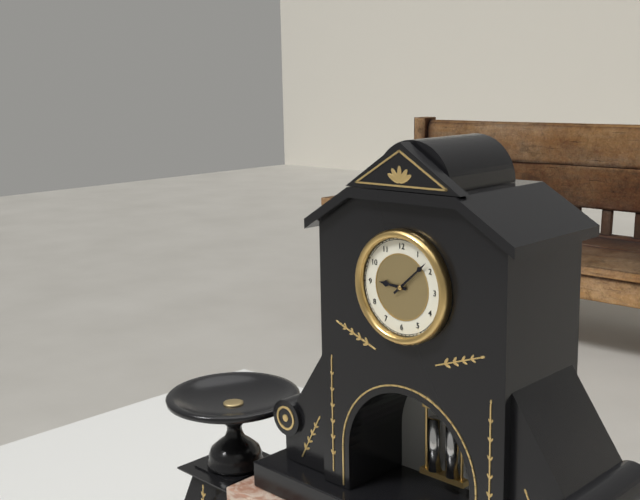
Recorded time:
9,08
